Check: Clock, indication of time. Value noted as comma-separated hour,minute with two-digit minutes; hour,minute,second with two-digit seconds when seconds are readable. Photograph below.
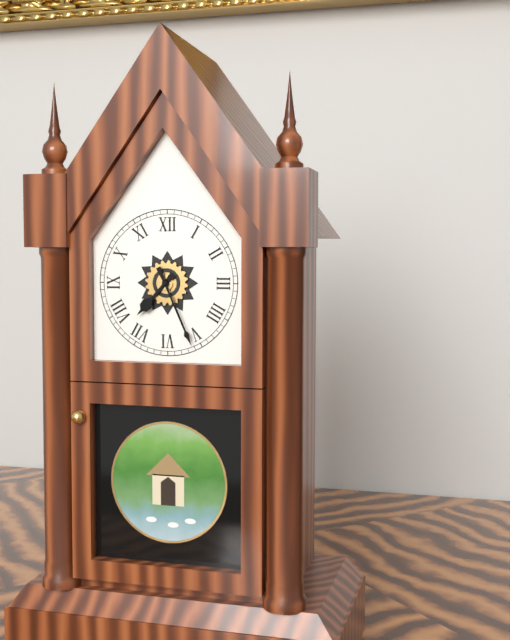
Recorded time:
7,26
